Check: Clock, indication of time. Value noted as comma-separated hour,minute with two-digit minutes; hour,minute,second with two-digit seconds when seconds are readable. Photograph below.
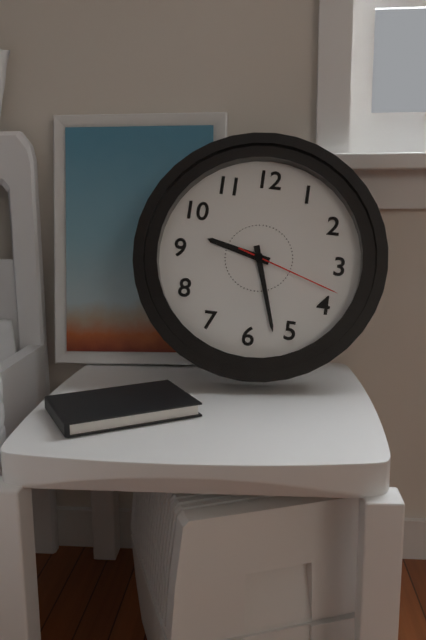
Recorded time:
9,27,18
